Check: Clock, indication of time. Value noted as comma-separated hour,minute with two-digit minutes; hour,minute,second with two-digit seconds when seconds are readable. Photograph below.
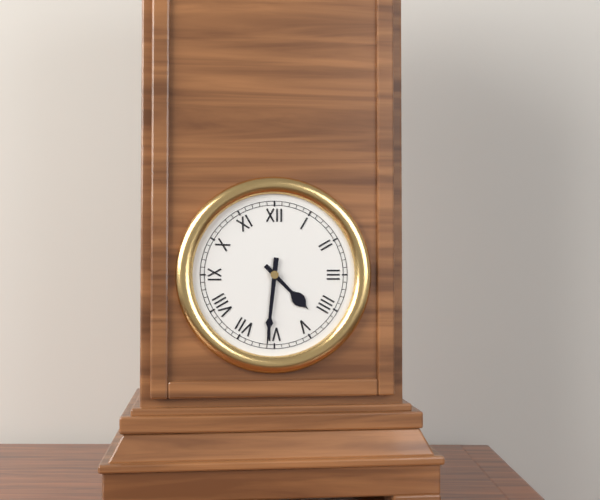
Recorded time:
4,31
